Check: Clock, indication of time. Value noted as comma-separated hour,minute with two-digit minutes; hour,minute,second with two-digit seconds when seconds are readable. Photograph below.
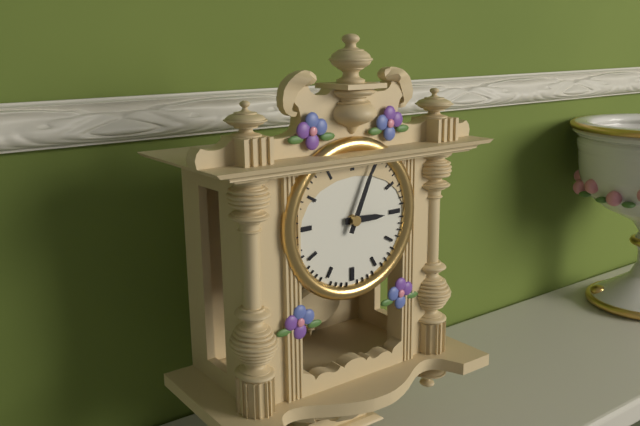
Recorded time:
3,04
